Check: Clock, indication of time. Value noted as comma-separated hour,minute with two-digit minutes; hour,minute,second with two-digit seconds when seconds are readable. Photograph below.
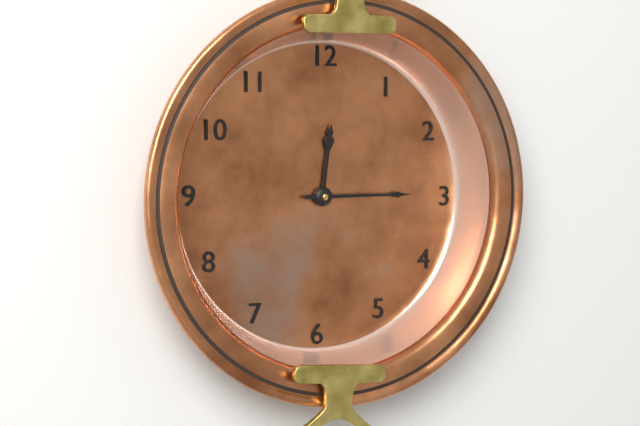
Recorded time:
12,15
